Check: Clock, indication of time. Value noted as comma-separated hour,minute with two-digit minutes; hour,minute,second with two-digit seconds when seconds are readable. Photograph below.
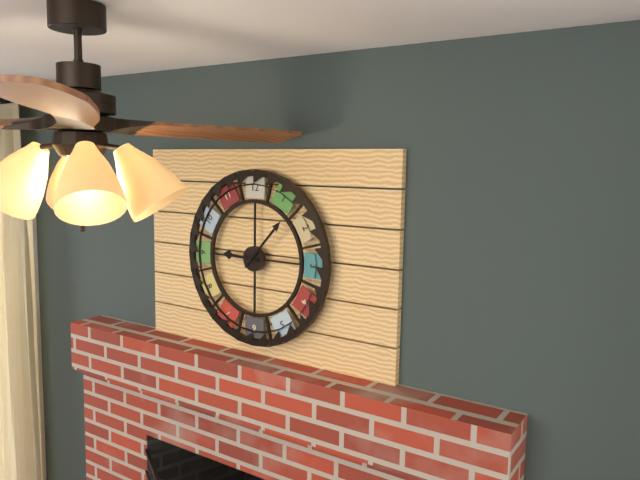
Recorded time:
9,07
